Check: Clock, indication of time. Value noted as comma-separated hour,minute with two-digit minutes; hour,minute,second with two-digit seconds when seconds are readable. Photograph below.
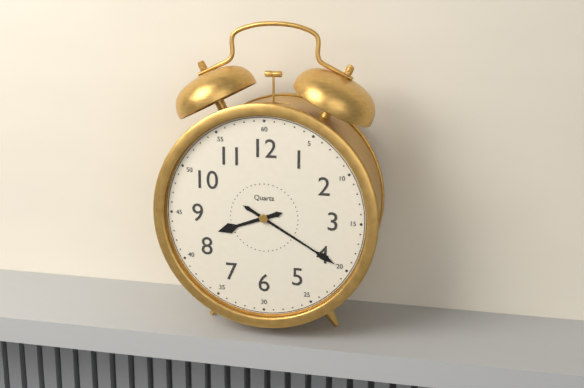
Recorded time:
8,20
